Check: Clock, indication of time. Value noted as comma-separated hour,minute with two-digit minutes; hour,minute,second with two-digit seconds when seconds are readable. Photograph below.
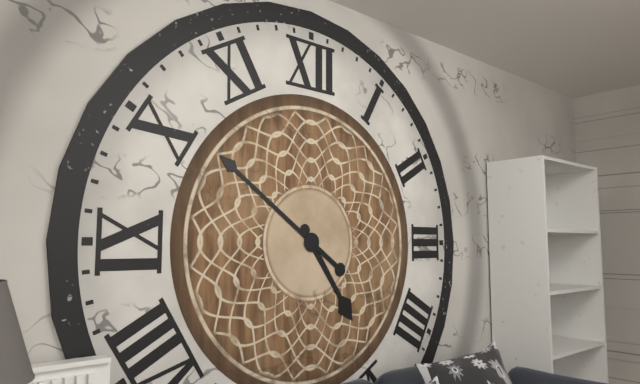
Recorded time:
4,51
